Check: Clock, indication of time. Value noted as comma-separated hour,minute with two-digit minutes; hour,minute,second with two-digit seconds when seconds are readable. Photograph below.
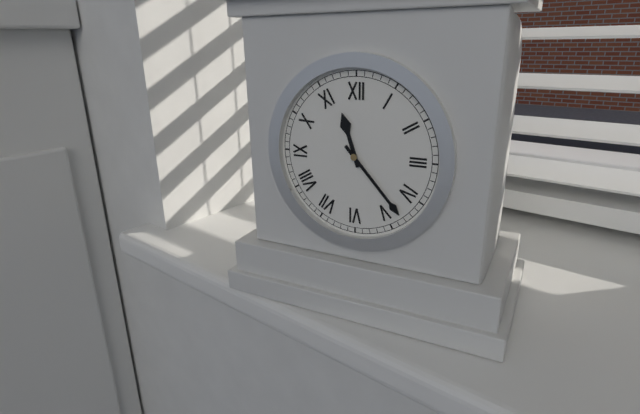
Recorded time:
11,23
